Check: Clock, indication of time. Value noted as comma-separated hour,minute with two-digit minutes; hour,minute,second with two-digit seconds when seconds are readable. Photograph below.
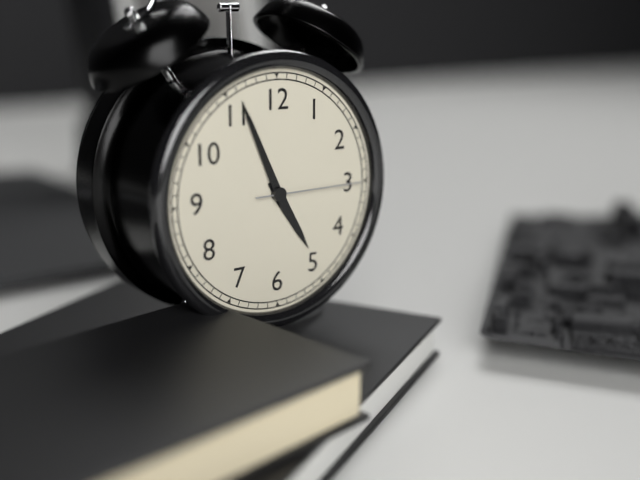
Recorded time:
4,56,15
